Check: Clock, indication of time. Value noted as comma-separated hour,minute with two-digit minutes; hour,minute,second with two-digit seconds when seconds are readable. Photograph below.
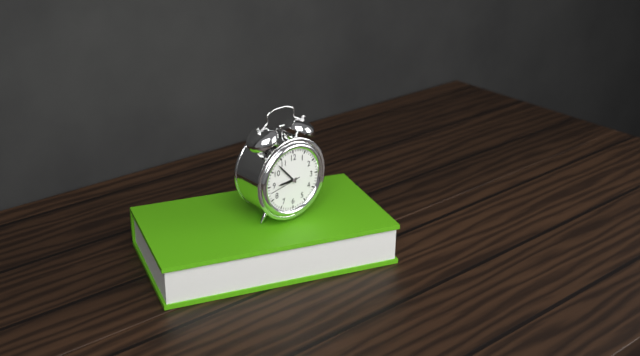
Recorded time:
8,53
